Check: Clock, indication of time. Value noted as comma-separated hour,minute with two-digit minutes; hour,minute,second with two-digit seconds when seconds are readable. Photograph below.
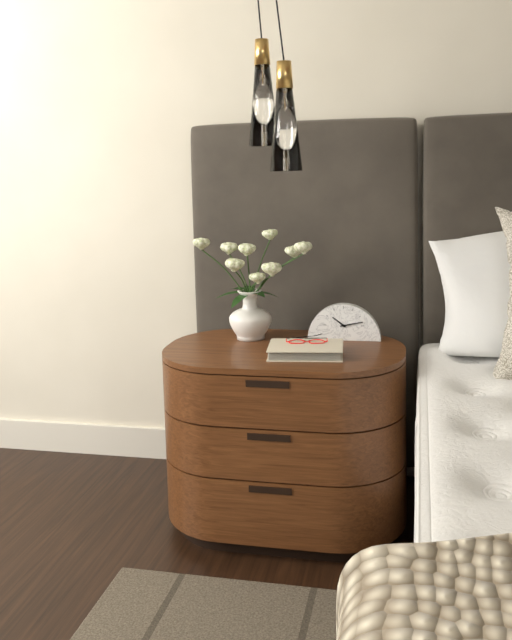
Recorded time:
10,13
